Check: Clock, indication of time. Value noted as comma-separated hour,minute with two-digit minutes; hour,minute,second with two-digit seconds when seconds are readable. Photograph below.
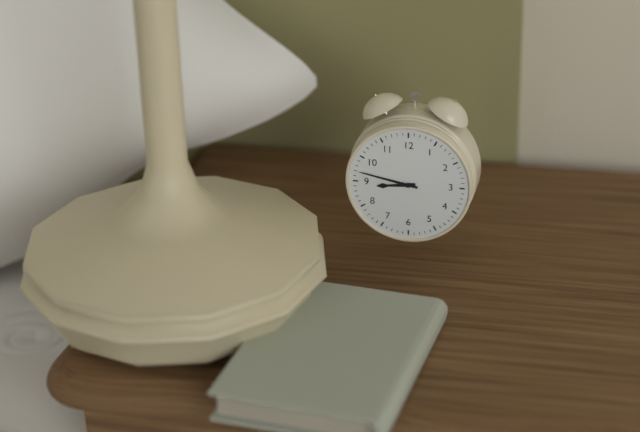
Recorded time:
8,47
